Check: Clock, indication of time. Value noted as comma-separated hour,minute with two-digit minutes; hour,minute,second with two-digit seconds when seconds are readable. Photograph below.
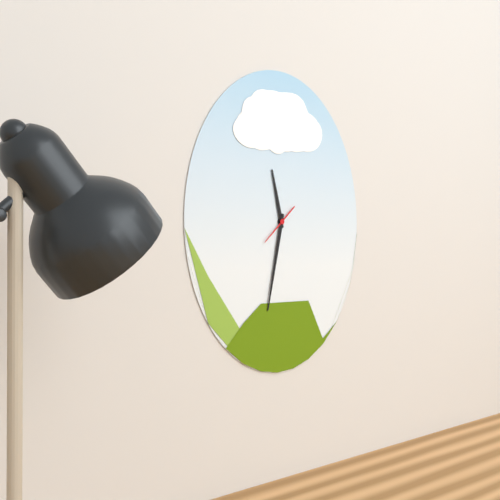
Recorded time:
11,32
